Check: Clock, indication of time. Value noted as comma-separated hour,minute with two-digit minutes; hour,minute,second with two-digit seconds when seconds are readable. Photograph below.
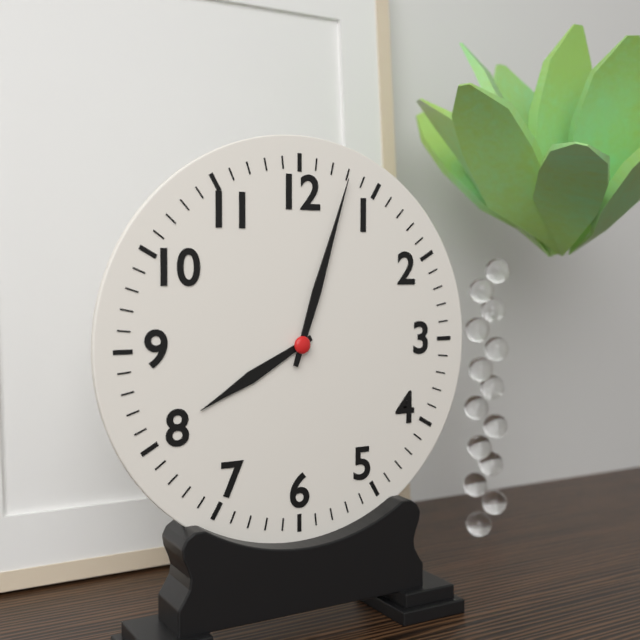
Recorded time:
8,03
